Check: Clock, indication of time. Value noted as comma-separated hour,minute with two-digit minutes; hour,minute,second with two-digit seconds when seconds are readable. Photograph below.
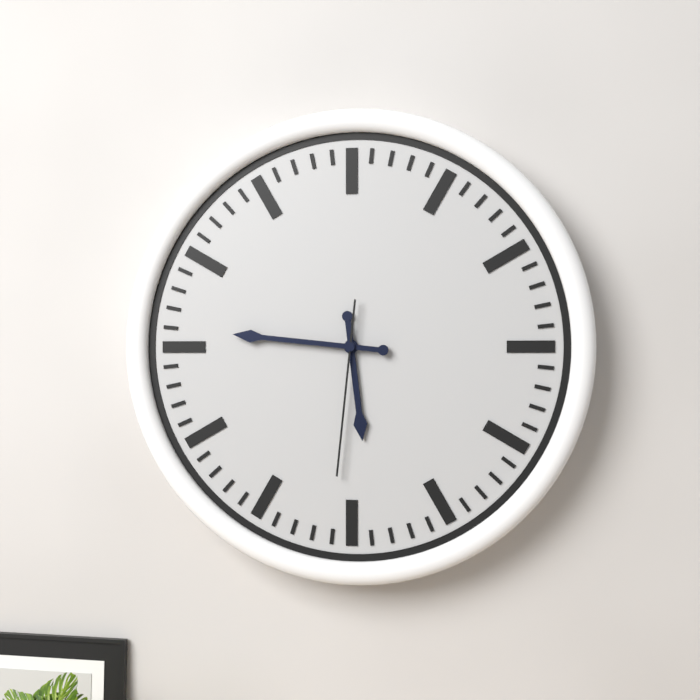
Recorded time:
5,46,31
